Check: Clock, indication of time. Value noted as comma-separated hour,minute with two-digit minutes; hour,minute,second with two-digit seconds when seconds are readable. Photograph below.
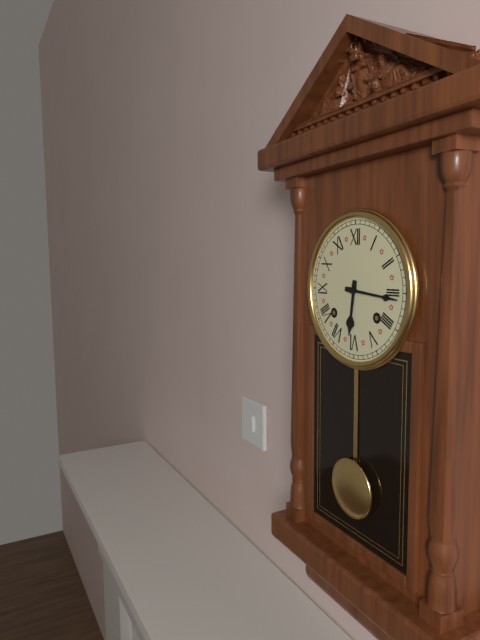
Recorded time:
6,16
